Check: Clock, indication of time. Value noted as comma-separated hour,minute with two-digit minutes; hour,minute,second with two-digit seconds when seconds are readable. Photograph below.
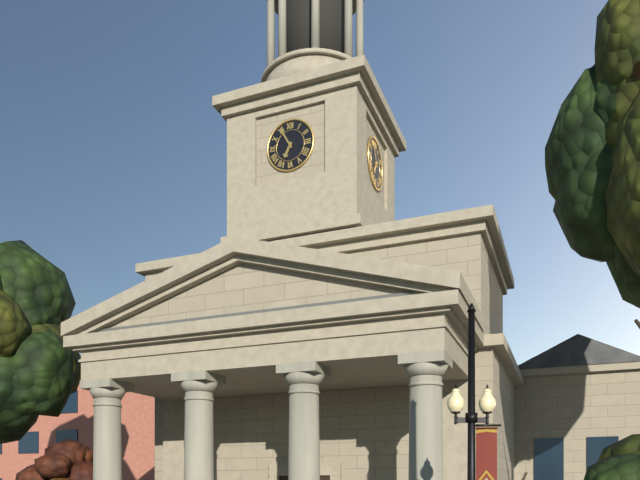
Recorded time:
6,55
